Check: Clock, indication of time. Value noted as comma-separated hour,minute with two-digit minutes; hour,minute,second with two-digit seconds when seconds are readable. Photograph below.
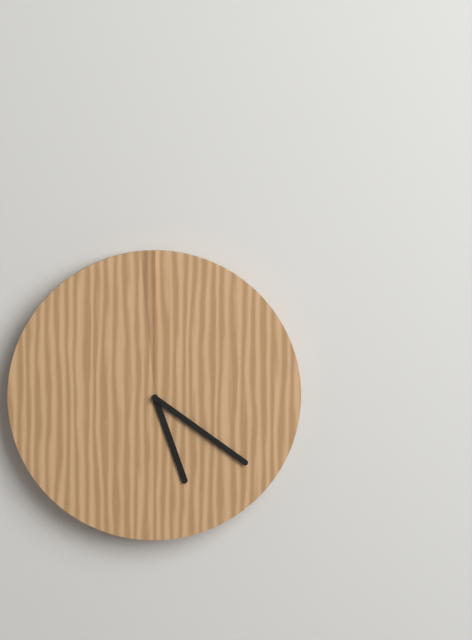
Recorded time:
5,21
